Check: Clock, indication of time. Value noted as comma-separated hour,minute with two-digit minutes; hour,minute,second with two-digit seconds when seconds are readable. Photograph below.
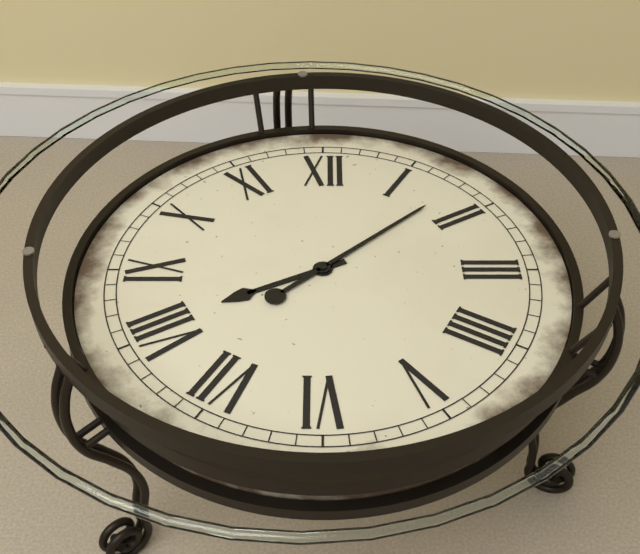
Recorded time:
8,08
